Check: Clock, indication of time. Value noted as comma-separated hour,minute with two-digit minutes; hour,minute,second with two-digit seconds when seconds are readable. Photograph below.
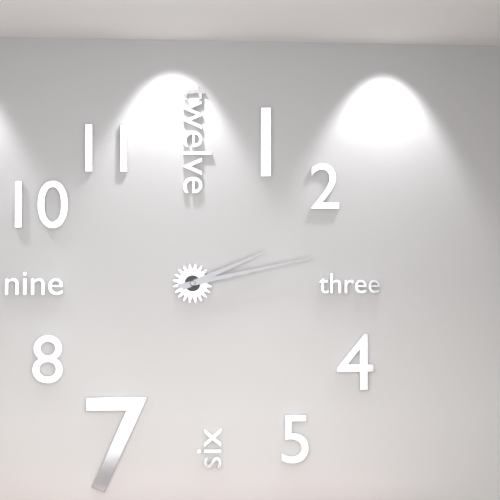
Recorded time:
2,13
